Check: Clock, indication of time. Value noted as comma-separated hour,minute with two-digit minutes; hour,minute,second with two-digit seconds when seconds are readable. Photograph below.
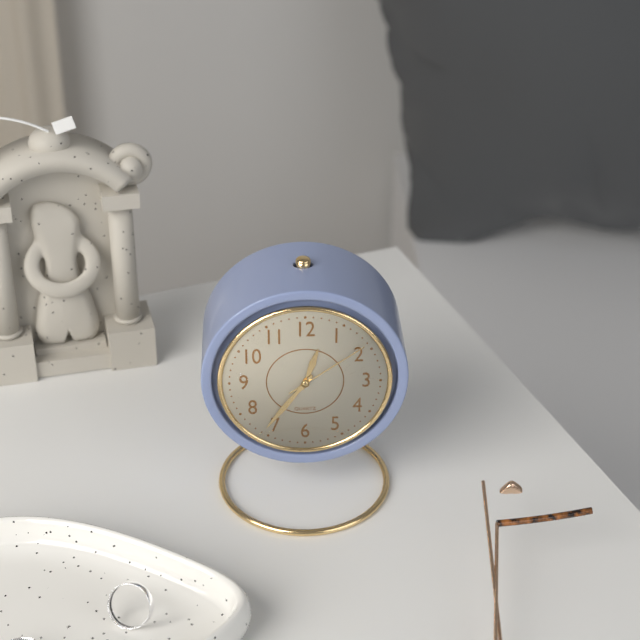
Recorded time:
12,36,09
